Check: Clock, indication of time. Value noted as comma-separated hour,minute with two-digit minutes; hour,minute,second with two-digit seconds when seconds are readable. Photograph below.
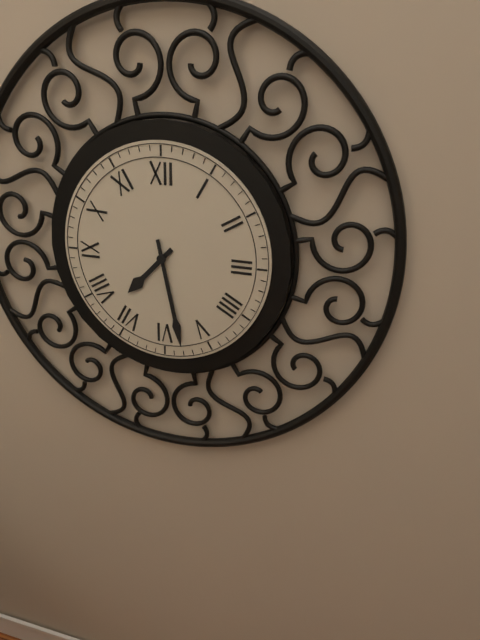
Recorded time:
7,28
